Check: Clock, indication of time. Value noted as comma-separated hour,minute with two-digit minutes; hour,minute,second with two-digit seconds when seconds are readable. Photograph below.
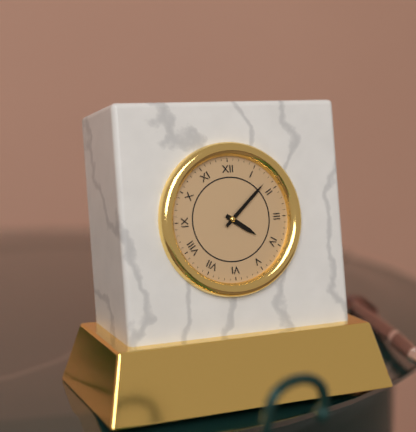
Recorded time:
4,08
